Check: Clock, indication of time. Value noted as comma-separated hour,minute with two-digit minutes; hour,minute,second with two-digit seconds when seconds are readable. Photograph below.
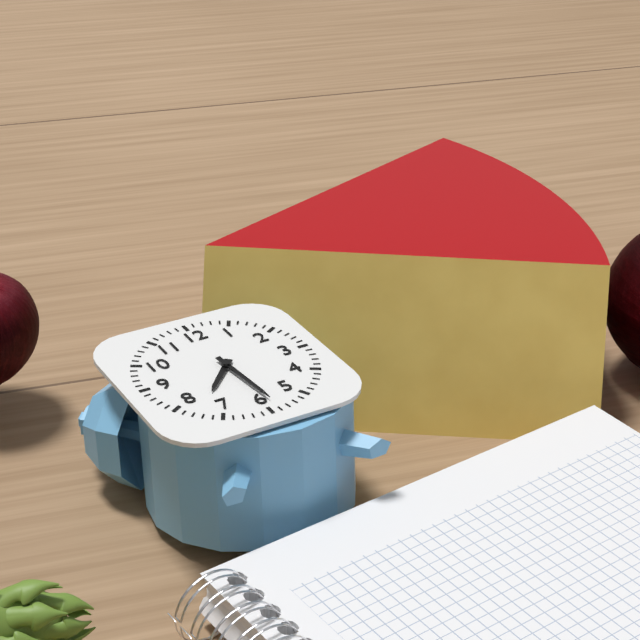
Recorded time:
7,29
